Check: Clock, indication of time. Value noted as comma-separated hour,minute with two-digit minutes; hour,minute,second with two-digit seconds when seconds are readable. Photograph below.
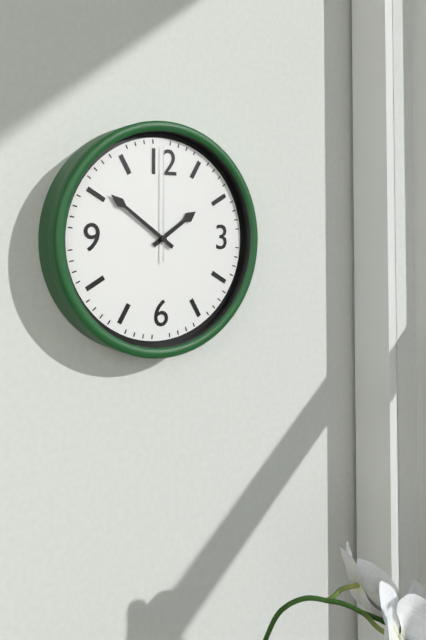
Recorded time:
1,51,00
